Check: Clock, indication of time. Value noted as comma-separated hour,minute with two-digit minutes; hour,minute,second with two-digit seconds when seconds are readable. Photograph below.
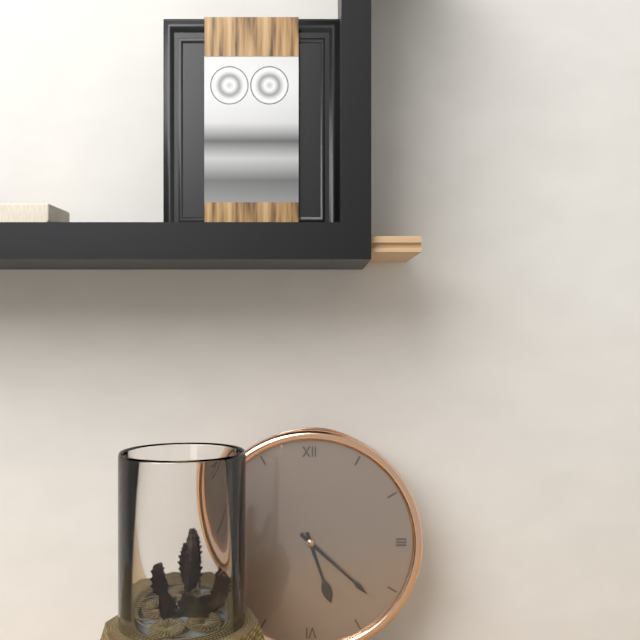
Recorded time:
5,22
